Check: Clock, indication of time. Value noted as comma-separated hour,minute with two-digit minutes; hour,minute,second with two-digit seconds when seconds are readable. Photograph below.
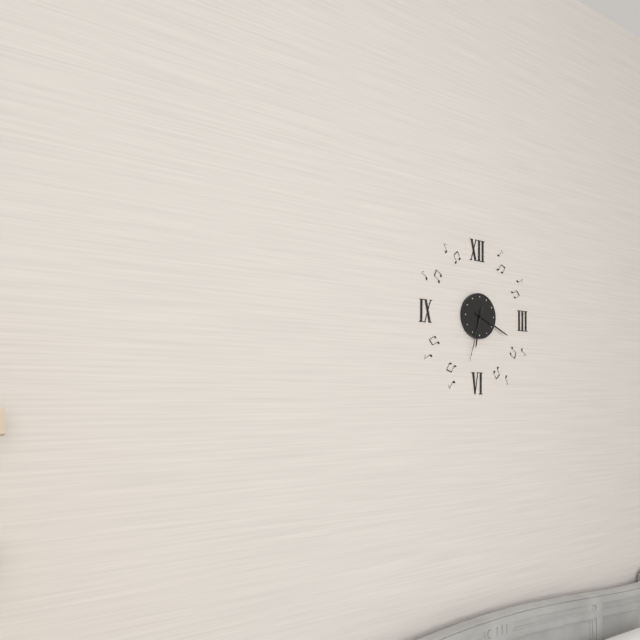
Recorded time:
6,19,33
